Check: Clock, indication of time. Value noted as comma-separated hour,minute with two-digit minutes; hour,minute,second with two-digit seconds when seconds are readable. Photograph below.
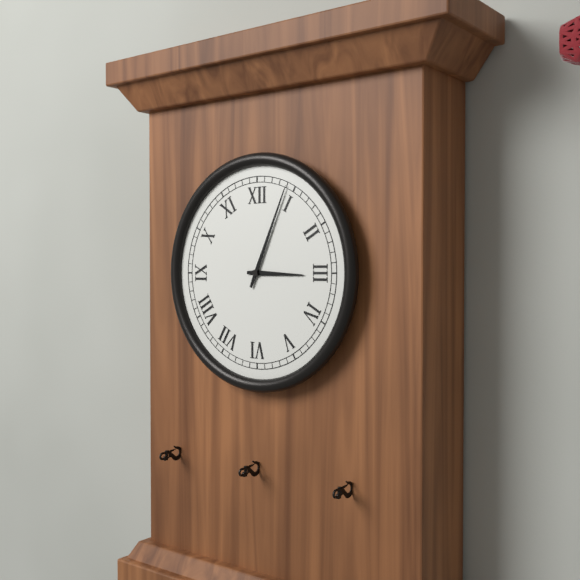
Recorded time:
3,04
